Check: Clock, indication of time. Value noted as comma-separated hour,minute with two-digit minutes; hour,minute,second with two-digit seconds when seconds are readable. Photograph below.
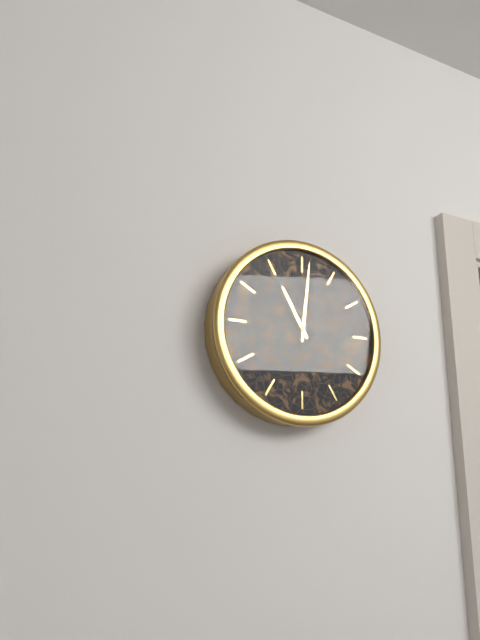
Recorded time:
11,01
